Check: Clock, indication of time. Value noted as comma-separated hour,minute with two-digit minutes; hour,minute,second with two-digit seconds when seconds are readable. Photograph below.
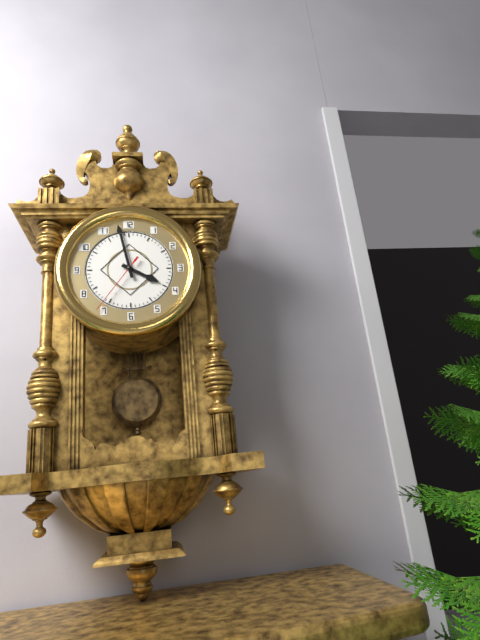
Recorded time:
3,58,36
